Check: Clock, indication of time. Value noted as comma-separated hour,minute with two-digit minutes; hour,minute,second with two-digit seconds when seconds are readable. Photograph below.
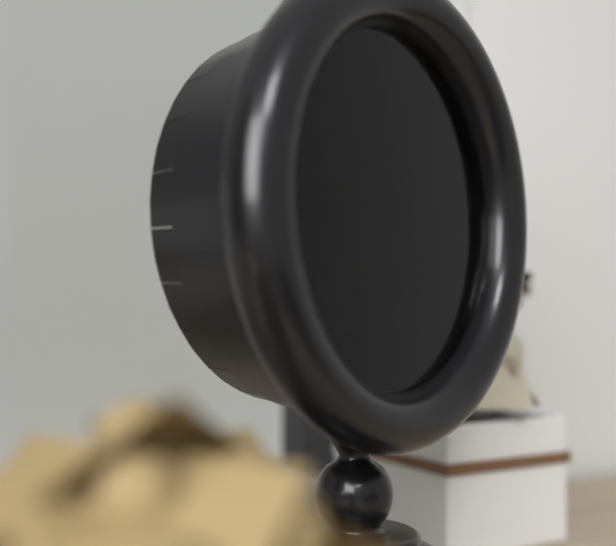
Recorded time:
7,49
